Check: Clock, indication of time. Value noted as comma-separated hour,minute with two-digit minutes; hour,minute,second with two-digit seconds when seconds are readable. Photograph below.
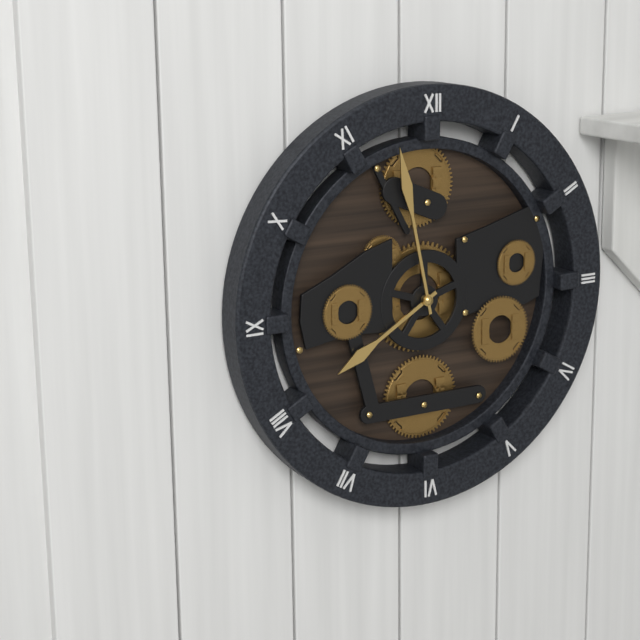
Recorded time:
7,58
